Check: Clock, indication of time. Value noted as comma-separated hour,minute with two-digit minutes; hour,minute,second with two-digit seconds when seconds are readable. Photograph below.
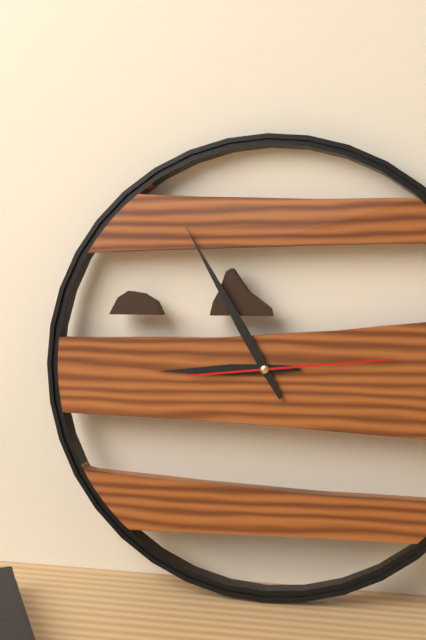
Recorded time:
8,55,14
